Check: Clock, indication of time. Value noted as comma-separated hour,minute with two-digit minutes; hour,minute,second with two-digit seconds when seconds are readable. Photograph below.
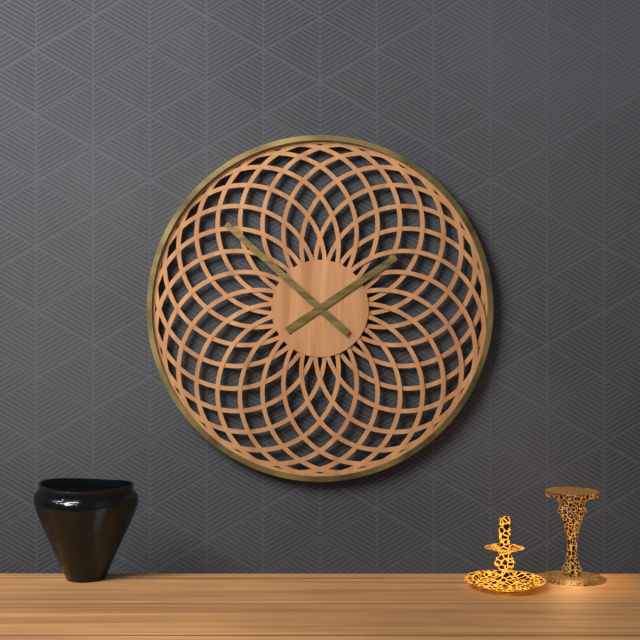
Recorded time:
1,52
